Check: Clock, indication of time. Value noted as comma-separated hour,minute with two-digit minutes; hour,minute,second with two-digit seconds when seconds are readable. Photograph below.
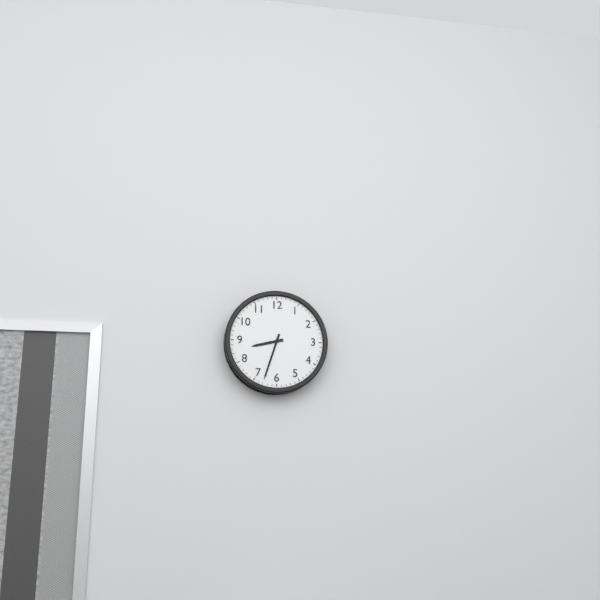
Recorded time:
8,33
